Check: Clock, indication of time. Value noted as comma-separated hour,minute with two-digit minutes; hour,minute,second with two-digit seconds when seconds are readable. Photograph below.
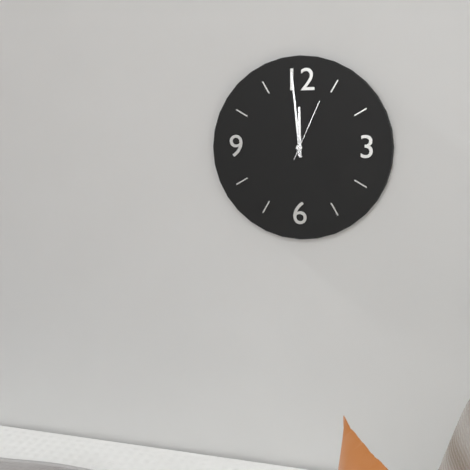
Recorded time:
11,59,04
